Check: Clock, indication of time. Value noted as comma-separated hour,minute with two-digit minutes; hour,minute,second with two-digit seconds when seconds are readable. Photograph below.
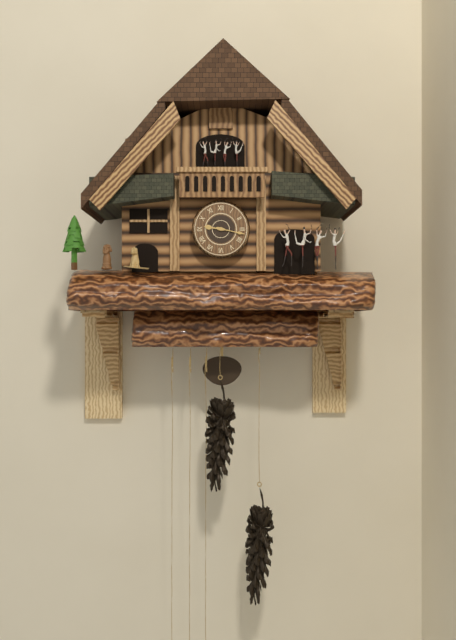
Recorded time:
9,17
